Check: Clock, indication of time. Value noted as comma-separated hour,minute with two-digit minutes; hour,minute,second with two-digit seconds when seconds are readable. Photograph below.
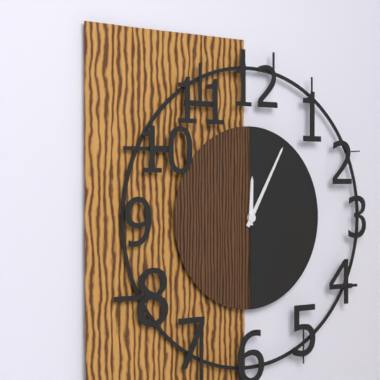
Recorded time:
12,05
